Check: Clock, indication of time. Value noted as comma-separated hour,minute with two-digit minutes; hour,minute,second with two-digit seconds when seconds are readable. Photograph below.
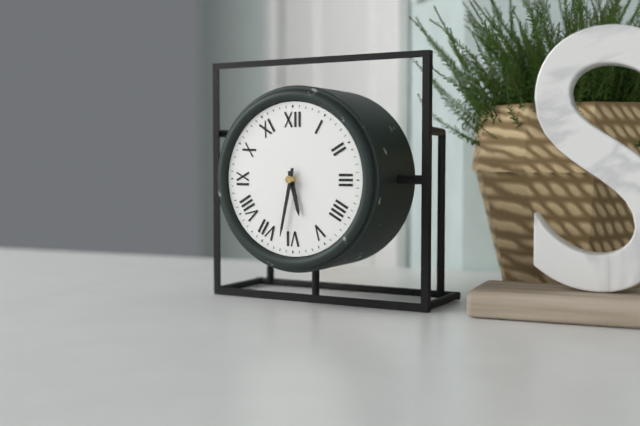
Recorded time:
5,32
